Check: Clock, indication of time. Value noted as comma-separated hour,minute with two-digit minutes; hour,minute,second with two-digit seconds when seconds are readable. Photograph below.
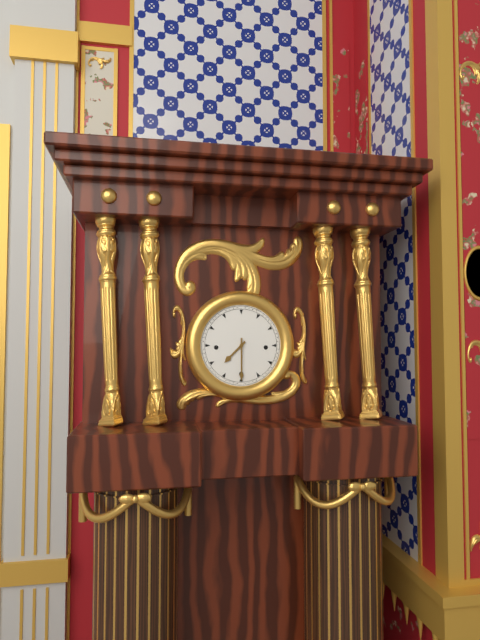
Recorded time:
7,30
